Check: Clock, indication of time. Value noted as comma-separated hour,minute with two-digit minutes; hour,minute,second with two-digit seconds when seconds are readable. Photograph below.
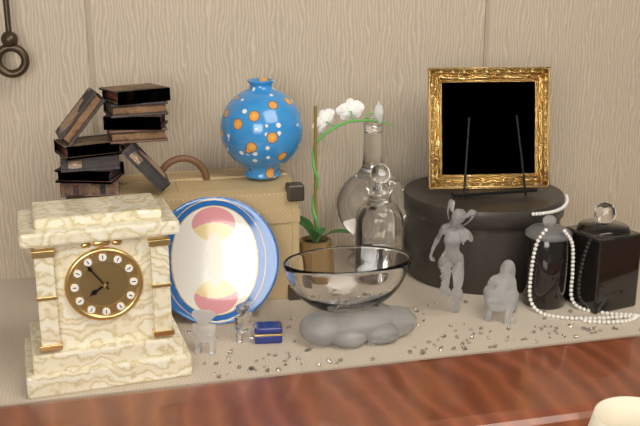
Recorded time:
7,54
